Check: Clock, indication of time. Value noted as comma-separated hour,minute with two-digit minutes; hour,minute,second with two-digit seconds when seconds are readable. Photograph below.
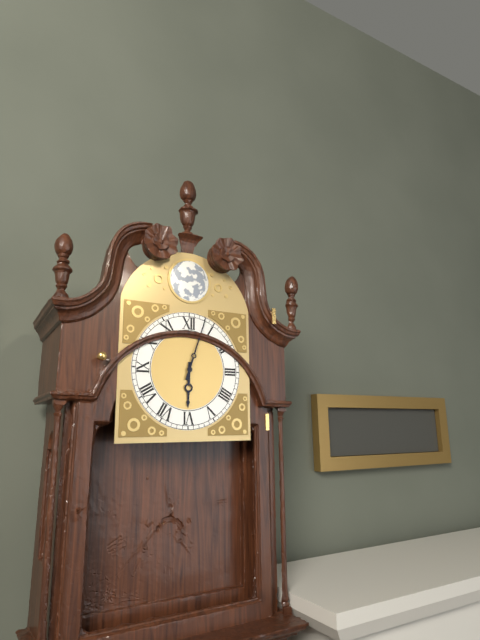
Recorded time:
6,03
